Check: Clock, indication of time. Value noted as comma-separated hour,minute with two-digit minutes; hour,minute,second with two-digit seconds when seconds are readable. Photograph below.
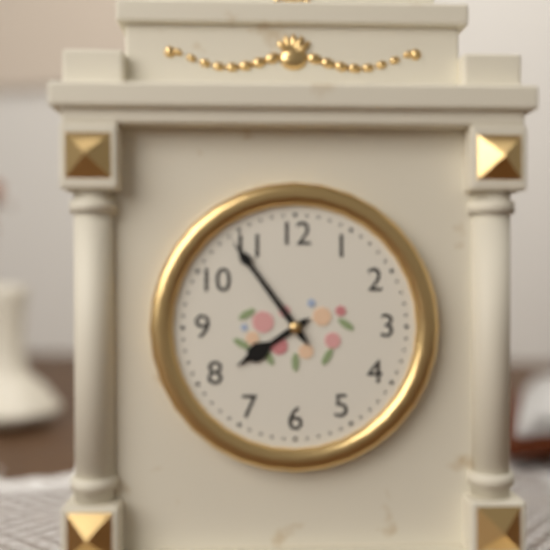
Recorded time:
7,54
